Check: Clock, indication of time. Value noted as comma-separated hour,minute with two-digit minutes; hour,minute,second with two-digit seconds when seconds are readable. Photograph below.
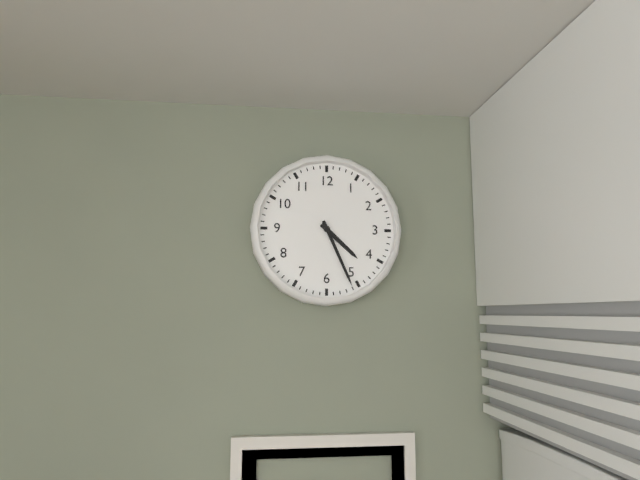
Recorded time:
4,26
